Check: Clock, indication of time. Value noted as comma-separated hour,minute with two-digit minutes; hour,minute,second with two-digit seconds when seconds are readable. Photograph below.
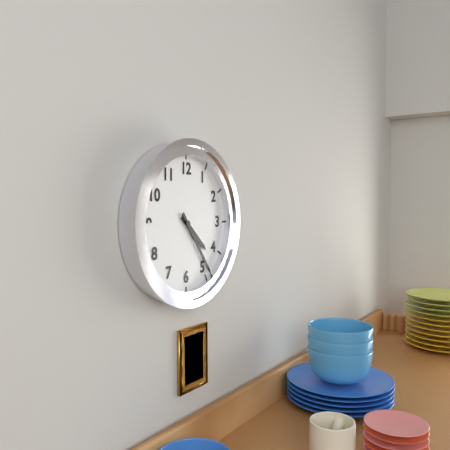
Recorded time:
4,24
